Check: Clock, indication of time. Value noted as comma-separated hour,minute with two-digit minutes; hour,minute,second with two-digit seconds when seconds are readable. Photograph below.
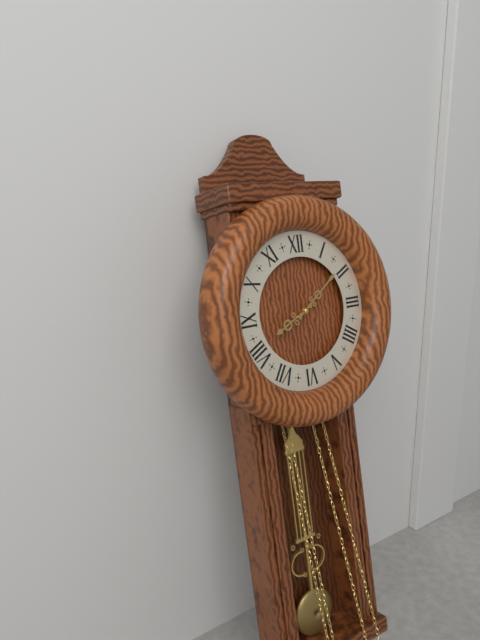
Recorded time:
8,09
